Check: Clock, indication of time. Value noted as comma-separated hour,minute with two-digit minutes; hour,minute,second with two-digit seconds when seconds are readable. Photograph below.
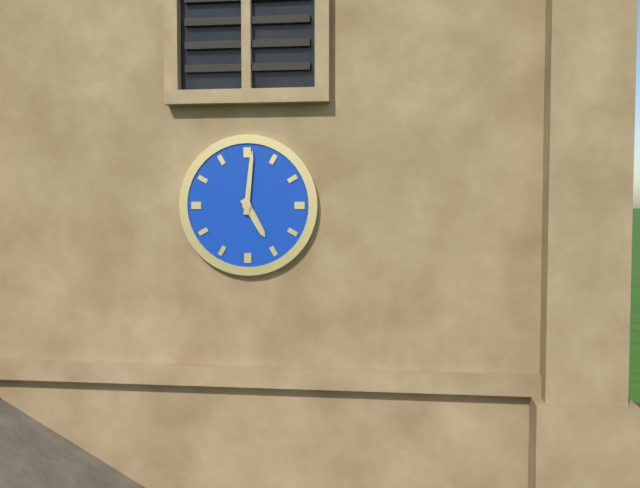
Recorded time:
5,01
